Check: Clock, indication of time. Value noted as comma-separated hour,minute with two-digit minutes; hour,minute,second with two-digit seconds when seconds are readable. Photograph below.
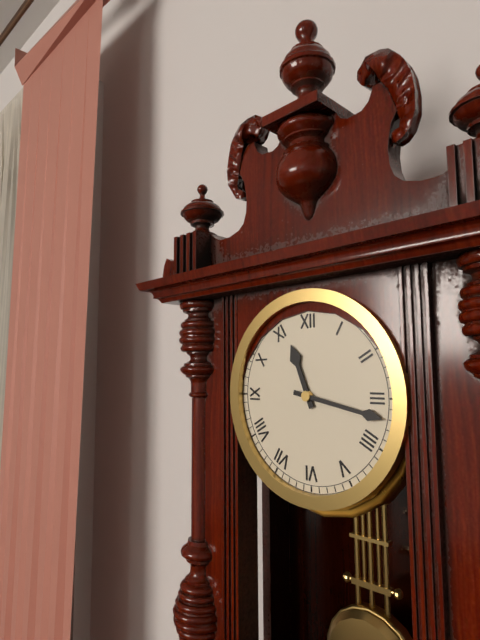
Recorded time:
11,17
